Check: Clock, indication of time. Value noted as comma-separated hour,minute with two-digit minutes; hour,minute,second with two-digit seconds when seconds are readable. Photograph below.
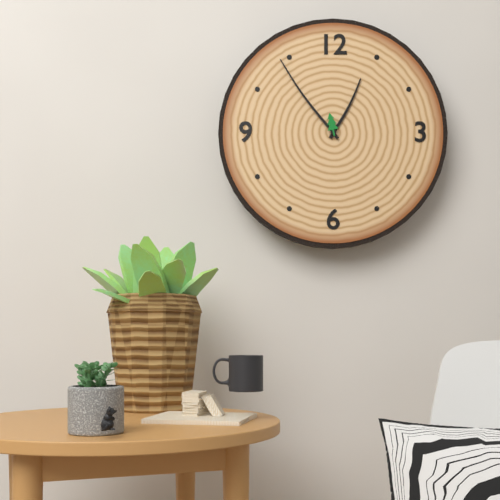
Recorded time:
12,54
